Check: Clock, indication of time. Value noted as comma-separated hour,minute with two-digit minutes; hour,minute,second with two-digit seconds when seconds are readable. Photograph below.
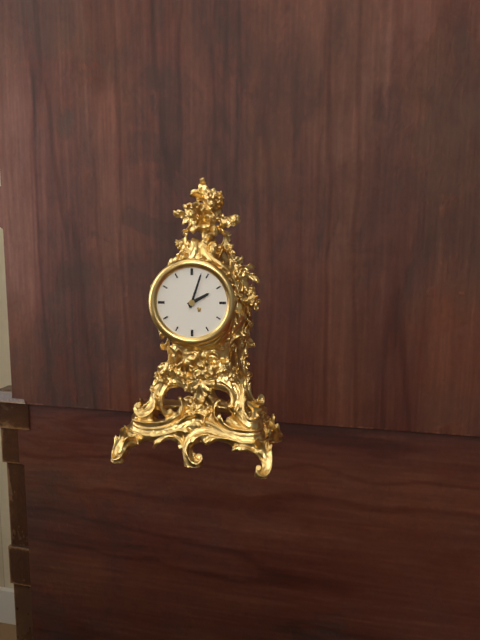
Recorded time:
2,03
